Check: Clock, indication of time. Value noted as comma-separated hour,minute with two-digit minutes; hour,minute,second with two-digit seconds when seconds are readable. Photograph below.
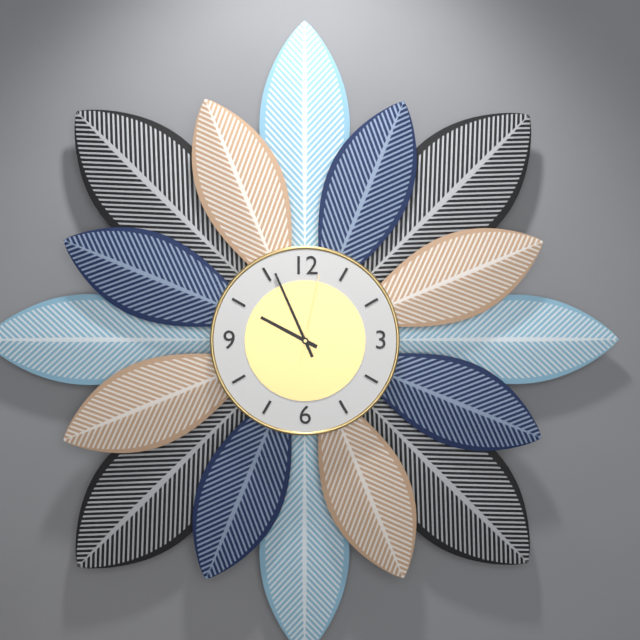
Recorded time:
9,56,02
